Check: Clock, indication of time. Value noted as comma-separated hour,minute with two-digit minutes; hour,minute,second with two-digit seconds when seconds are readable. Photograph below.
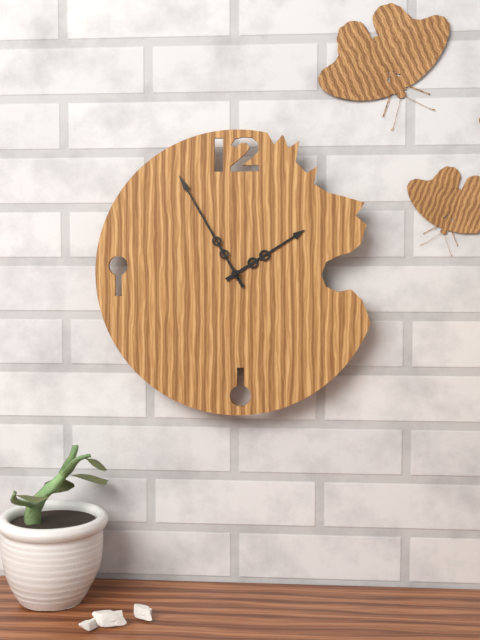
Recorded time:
1,55
